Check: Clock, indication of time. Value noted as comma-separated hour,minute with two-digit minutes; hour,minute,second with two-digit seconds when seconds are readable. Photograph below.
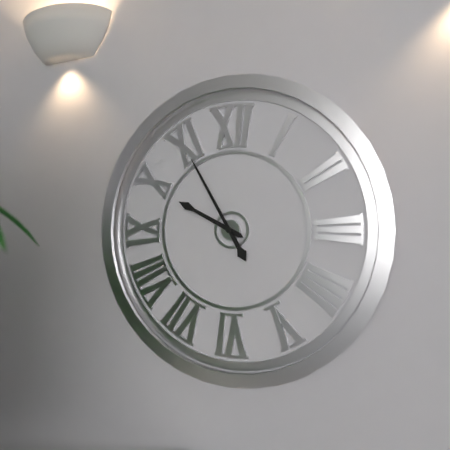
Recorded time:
9,55
